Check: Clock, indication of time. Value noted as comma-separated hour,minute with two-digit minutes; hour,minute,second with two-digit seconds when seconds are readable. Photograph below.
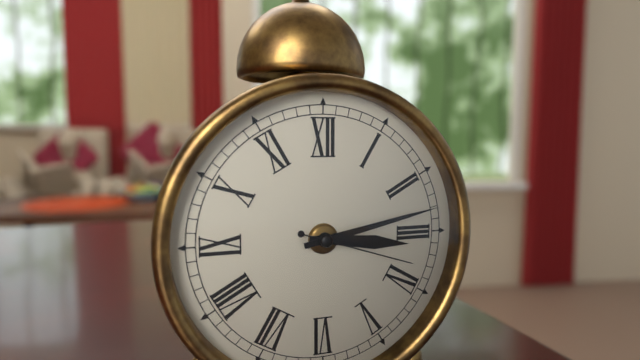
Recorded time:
3,13,18
